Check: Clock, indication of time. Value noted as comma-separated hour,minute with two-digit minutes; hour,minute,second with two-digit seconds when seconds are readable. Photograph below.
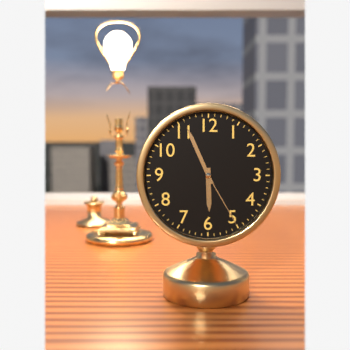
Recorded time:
5,56,25
